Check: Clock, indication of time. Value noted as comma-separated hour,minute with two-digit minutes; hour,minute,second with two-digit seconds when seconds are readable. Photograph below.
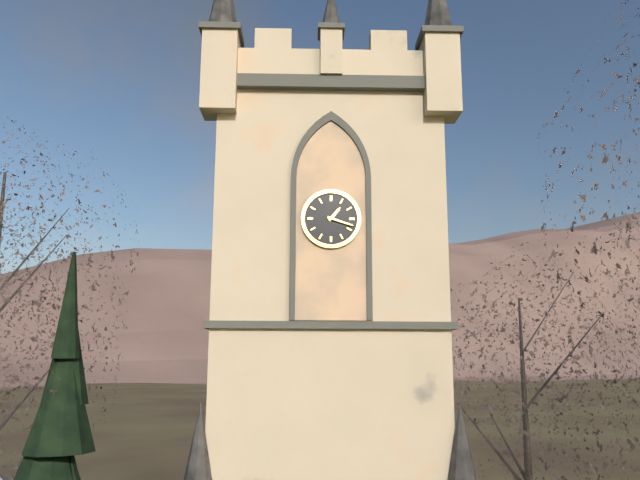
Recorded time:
1,18
